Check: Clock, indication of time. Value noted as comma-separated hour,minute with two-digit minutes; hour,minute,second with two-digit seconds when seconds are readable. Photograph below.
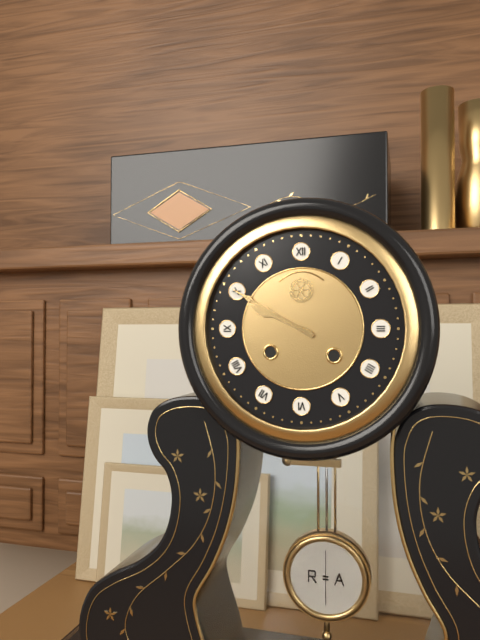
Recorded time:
9,50
